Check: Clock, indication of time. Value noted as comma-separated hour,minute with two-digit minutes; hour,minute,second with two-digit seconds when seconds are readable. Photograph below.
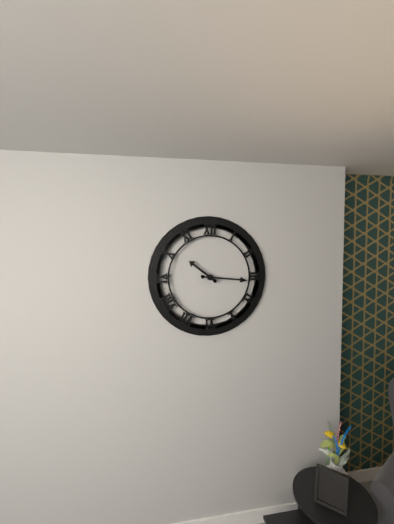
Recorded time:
10,16
